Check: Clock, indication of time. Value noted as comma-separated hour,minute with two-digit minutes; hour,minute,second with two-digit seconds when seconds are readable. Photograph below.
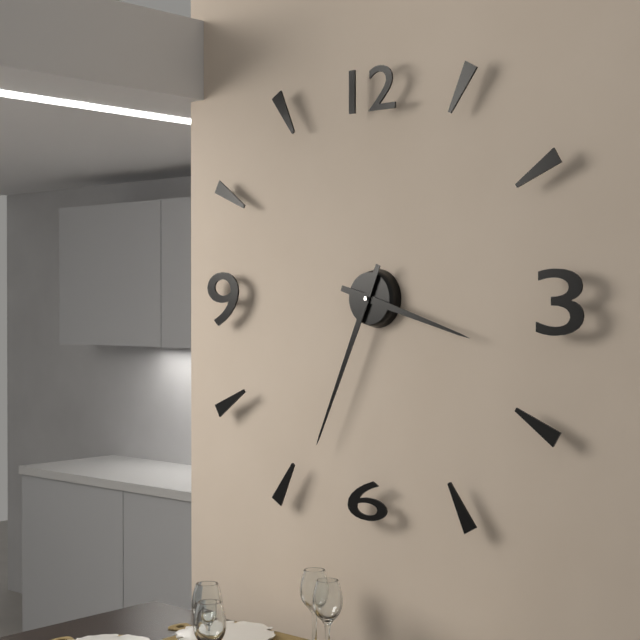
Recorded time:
3,34
